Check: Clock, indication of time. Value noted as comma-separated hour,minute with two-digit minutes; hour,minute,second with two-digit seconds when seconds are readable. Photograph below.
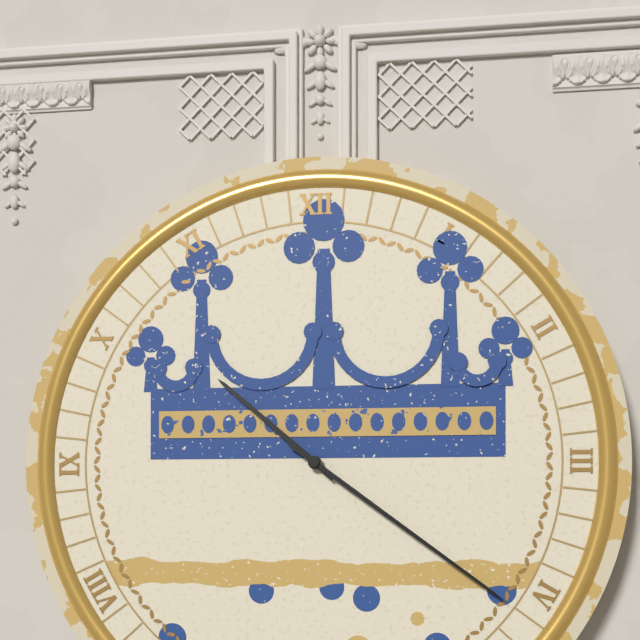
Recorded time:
10,21
